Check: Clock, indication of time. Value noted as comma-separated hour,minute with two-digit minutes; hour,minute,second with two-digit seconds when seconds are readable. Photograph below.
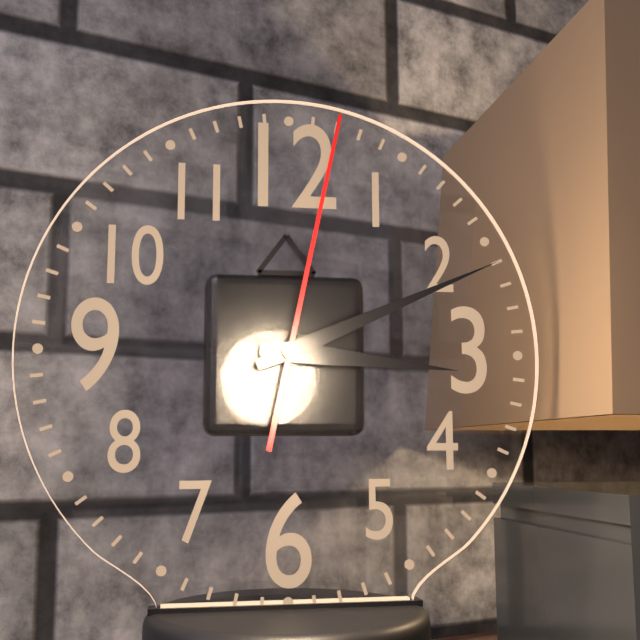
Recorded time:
3,11,02
